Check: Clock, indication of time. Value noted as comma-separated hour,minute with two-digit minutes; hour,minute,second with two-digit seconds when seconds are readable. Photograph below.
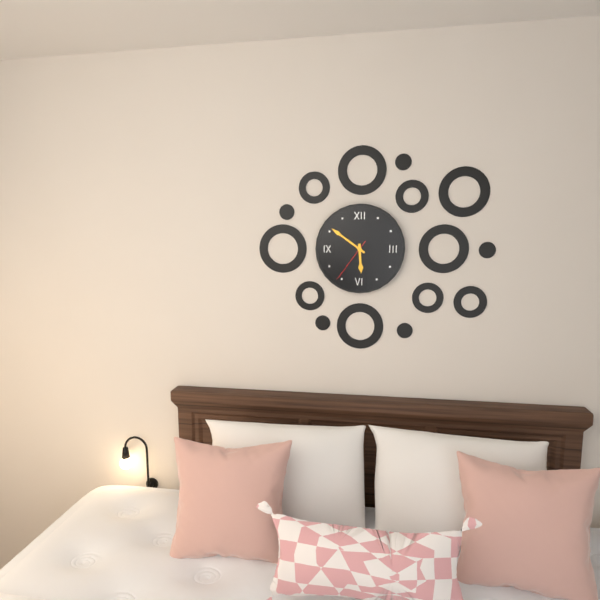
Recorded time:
5,51
